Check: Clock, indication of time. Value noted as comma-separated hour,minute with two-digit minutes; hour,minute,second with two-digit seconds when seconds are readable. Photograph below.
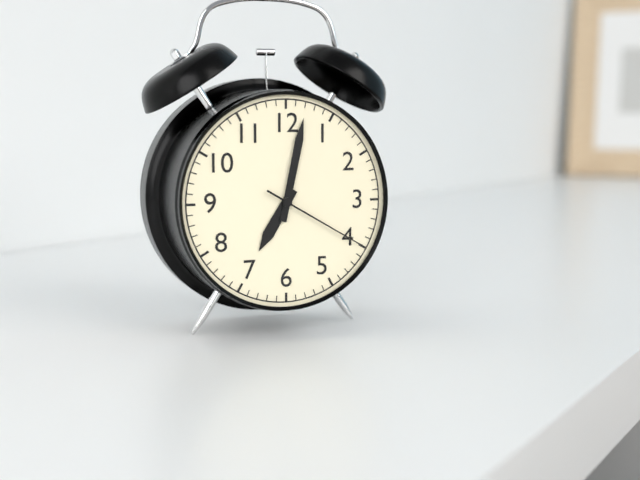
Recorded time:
7,02,20
